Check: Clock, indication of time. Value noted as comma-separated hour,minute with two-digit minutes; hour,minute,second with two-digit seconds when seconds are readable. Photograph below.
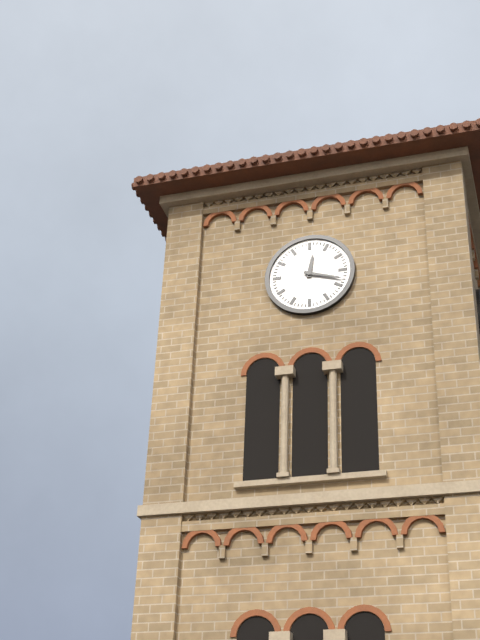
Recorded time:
12,18
